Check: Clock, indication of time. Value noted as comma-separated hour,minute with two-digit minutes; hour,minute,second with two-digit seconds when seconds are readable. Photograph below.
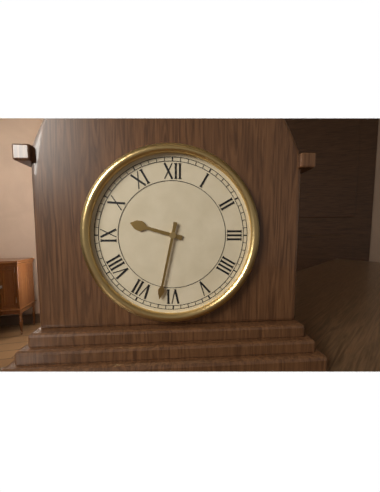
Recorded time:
9,32
